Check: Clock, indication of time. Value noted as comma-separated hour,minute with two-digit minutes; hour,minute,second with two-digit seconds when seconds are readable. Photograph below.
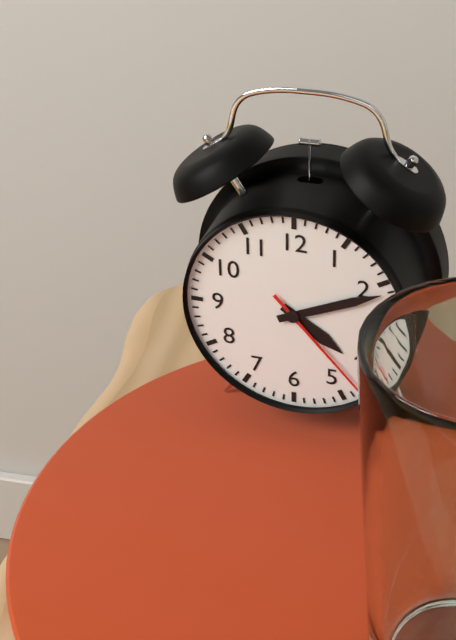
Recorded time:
4,11,23
